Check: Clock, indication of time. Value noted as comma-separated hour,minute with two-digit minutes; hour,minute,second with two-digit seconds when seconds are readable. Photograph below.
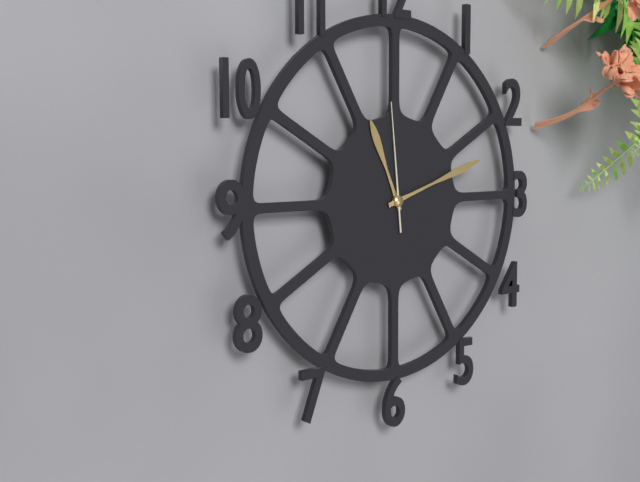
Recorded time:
11,12,59
